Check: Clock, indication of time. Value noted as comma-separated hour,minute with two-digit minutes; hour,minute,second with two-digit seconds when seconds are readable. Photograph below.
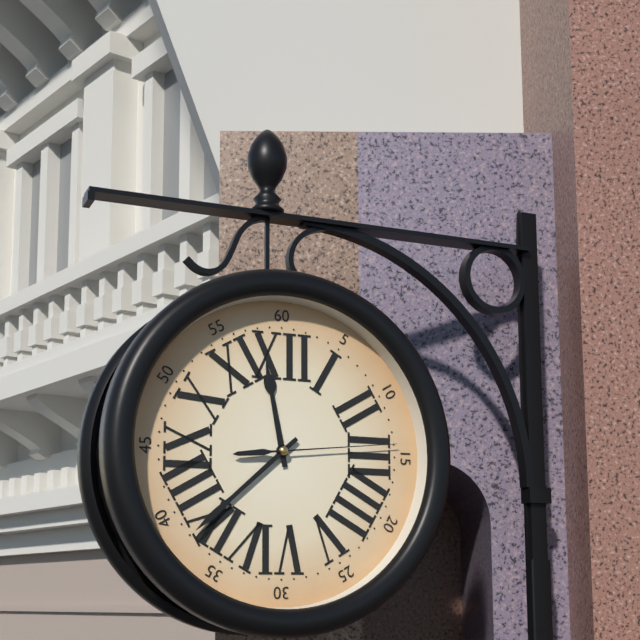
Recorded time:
11,38,14
